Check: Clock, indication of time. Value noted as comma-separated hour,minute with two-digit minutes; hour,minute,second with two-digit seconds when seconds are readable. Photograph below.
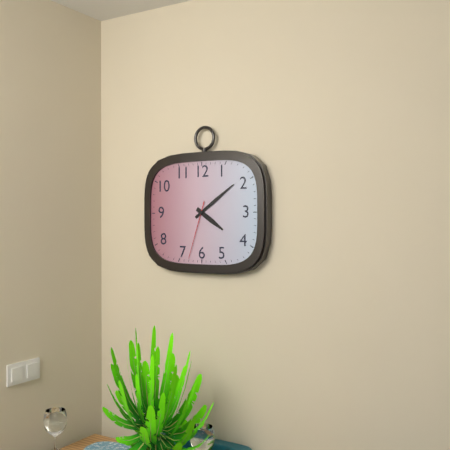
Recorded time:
4,09,33
